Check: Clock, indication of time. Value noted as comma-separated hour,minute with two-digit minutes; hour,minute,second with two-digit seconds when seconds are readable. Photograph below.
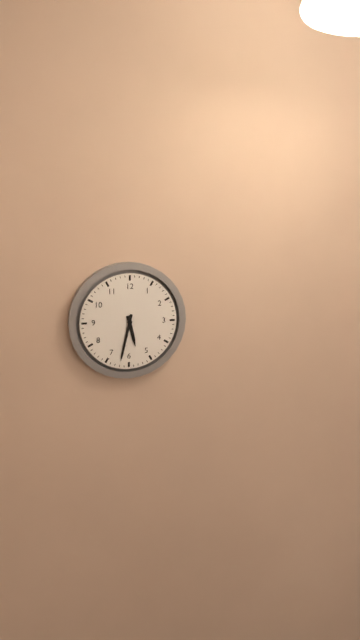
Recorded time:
5,32
